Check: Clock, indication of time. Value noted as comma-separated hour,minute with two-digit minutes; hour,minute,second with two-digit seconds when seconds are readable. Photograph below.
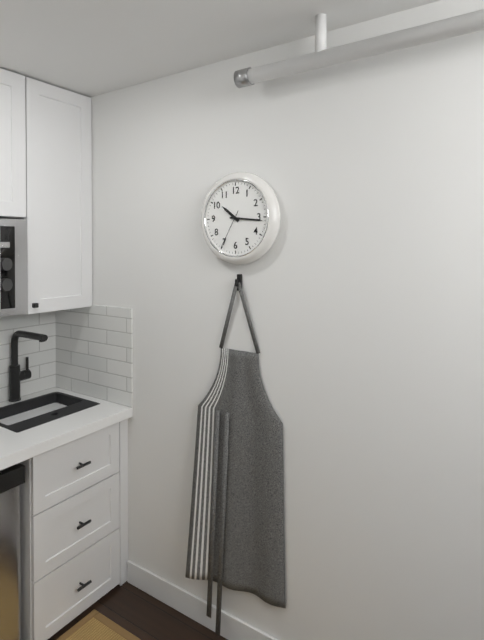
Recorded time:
10,16
